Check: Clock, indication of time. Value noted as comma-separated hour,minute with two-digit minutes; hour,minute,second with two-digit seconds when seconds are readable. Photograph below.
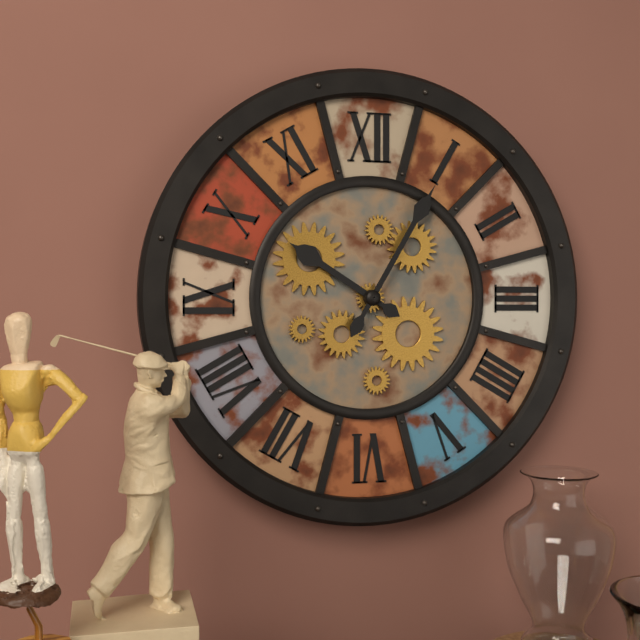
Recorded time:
10,05
